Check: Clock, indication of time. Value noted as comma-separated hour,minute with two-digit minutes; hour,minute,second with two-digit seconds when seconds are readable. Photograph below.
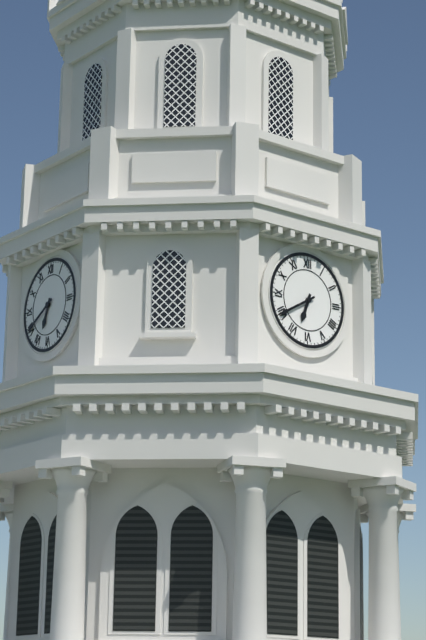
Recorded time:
6,40
